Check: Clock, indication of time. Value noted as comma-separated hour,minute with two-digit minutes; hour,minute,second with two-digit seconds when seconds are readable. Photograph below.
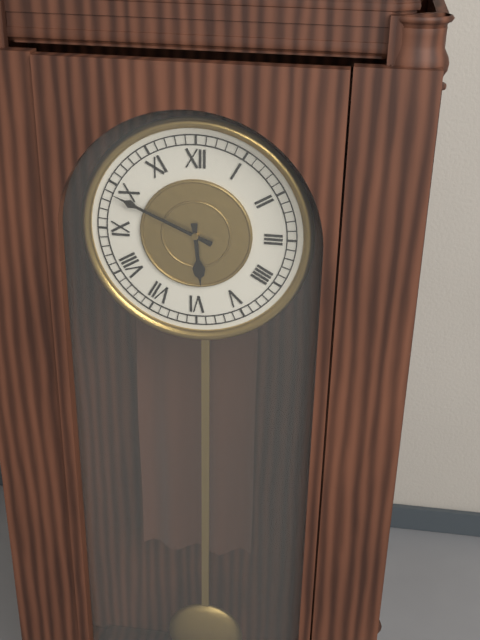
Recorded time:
5,49
